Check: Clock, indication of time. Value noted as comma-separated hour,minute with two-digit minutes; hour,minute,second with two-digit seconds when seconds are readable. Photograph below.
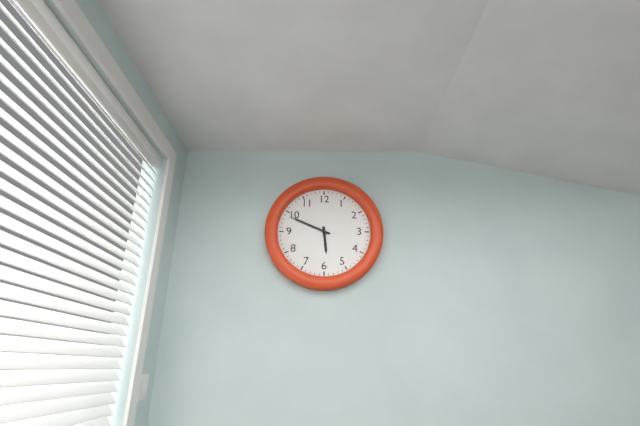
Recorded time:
5,49
